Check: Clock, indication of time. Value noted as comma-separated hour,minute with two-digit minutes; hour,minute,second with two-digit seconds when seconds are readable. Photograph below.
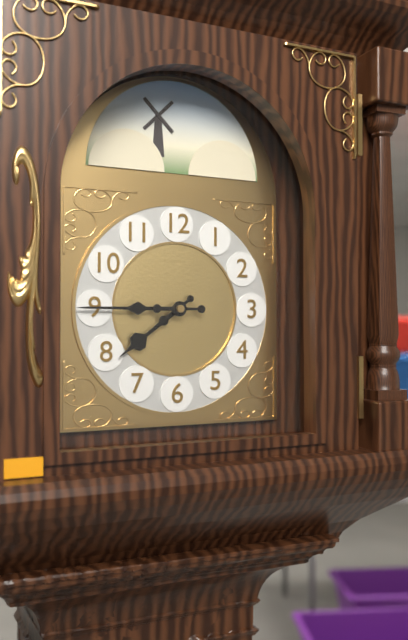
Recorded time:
7,45
